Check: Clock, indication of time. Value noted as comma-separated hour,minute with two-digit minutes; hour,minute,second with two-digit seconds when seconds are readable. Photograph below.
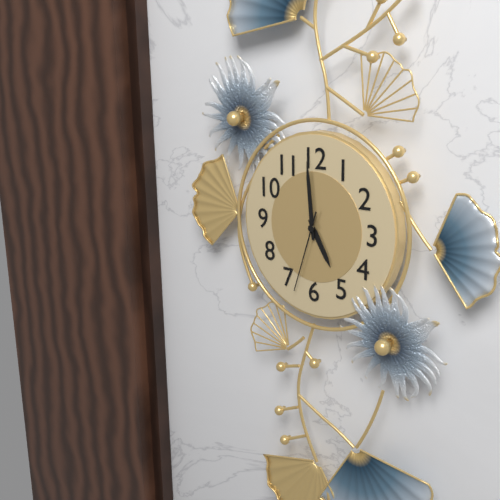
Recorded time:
4,59,33
